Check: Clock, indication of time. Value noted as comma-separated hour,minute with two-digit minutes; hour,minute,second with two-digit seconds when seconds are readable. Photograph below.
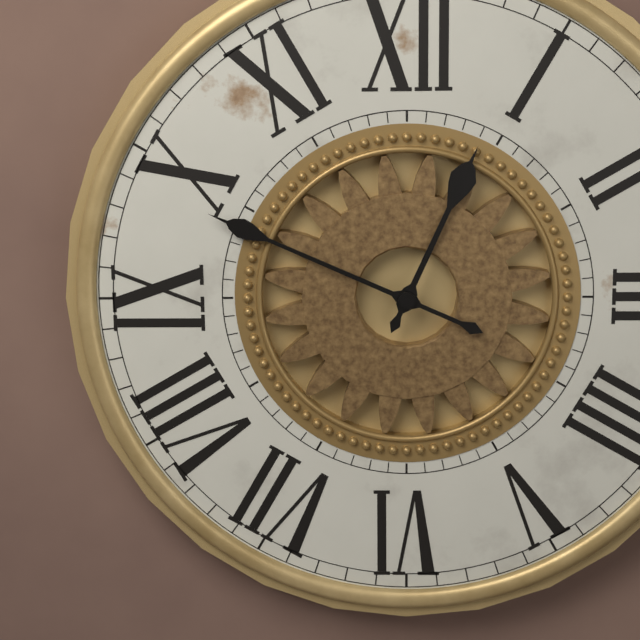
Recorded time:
12,49
